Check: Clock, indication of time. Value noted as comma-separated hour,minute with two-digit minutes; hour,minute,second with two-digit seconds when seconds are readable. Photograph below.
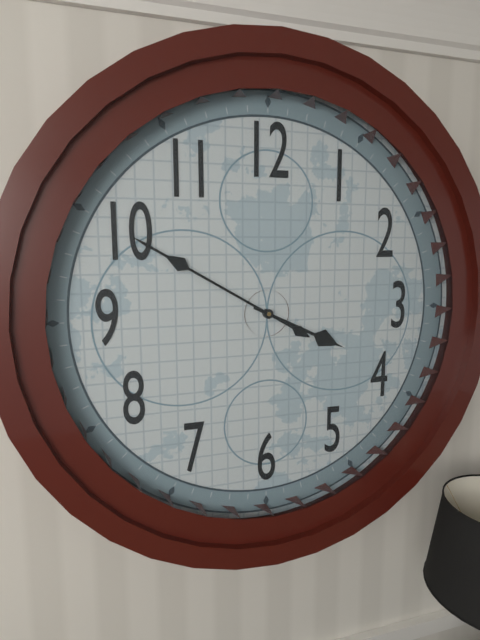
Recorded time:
3,50
